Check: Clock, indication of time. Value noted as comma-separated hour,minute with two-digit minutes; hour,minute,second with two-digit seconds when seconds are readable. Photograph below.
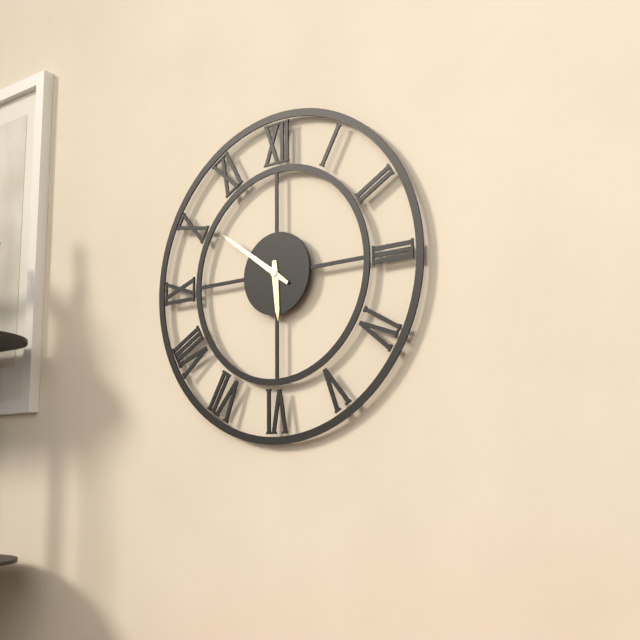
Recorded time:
5,51
